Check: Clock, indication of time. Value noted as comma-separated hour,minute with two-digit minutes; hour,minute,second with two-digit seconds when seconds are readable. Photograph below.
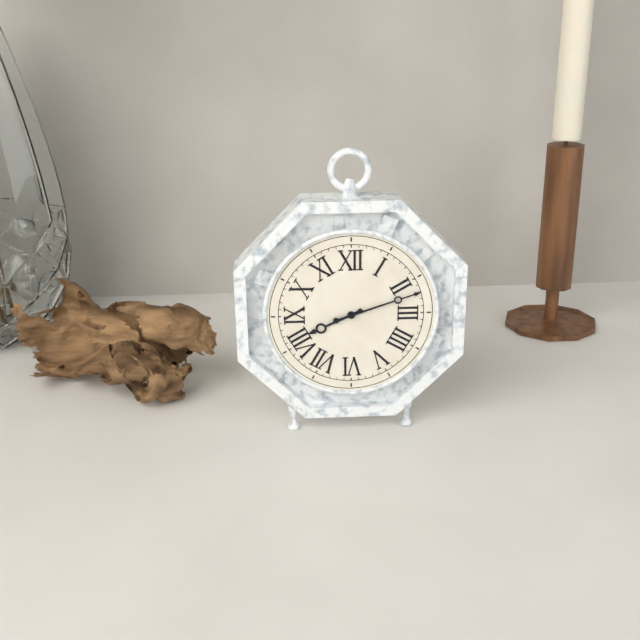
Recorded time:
8,12
